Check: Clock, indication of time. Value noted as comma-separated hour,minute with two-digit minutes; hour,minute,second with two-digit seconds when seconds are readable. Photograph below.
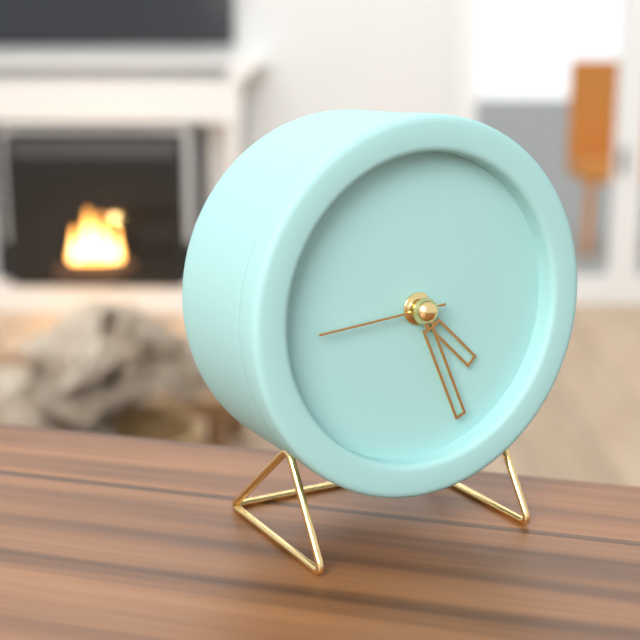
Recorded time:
4,26,44
